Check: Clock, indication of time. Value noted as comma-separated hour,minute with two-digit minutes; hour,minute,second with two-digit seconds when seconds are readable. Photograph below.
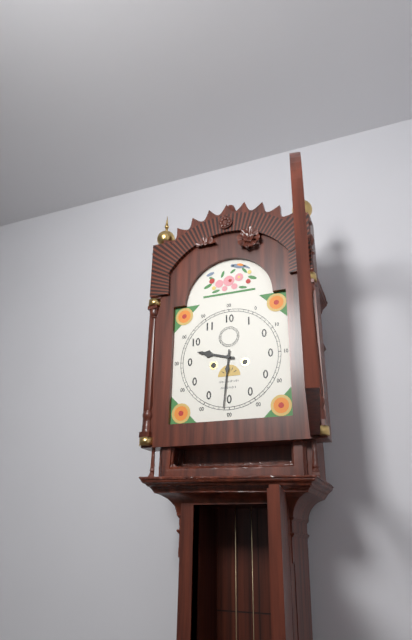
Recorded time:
9,31
